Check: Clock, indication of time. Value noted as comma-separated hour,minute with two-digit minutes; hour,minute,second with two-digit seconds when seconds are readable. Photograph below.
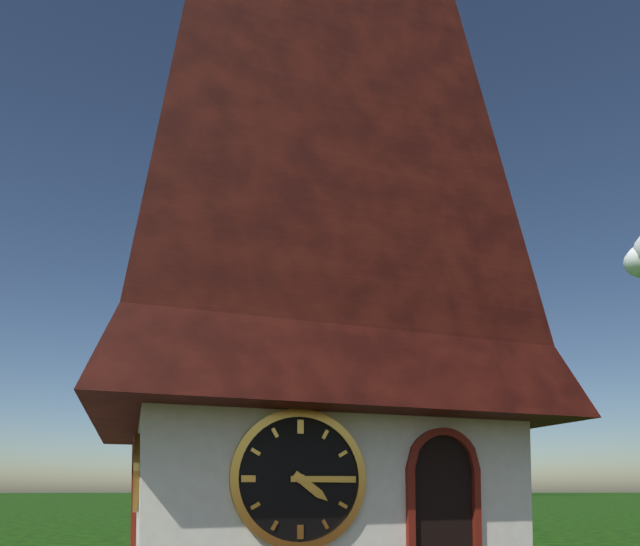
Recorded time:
4,15
